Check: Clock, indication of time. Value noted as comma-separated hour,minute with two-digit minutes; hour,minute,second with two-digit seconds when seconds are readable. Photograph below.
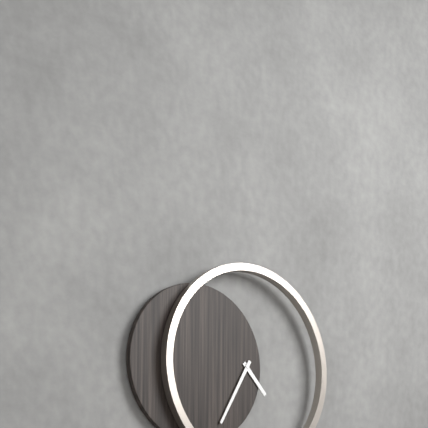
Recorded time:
4,35
